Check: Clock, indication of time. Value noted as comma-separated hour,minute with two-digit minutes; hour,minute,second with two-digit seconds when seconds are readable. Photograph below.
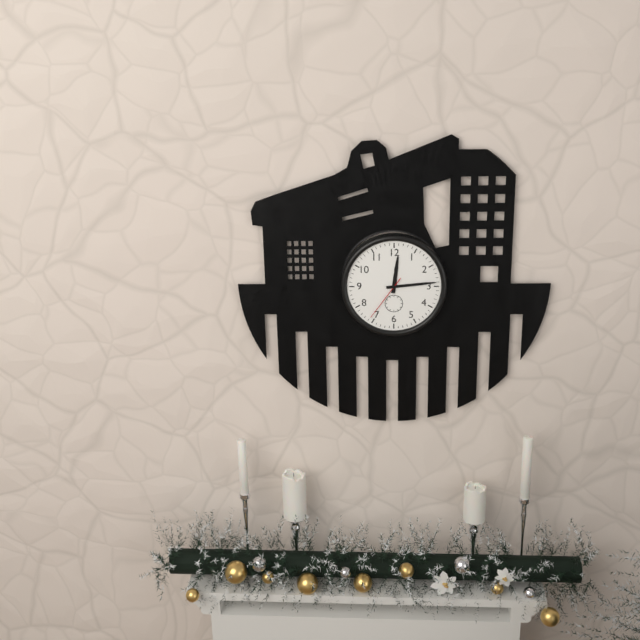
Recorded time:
12,14
